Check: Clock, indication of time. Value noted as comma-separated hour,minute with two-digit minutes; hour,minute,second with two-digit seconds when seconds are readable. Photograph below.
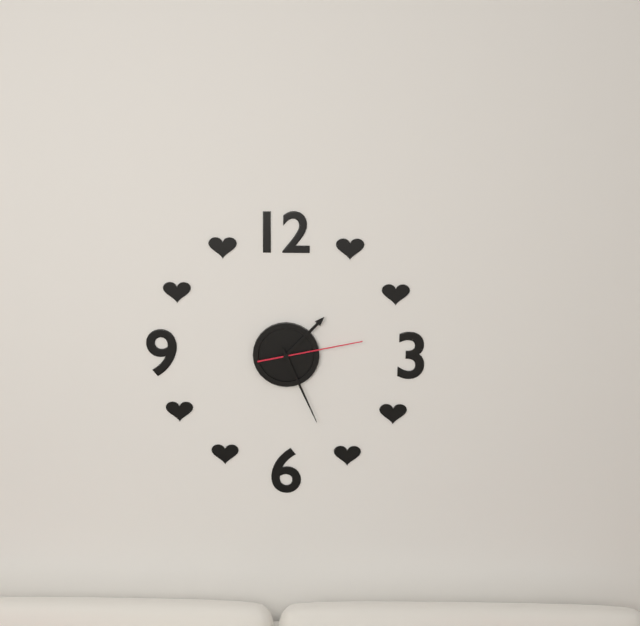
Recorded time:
1,26,13
